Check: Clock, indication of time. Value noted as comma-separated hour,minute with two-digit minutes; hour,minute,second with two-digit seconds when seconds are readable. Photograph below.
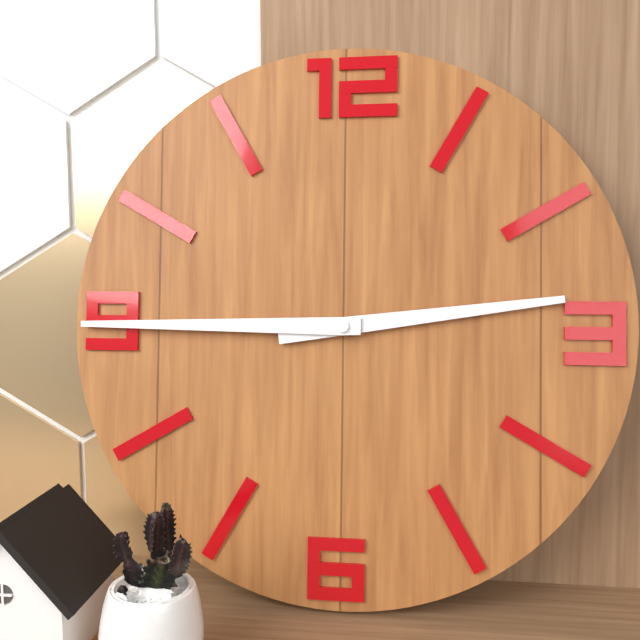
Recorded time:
2,45
